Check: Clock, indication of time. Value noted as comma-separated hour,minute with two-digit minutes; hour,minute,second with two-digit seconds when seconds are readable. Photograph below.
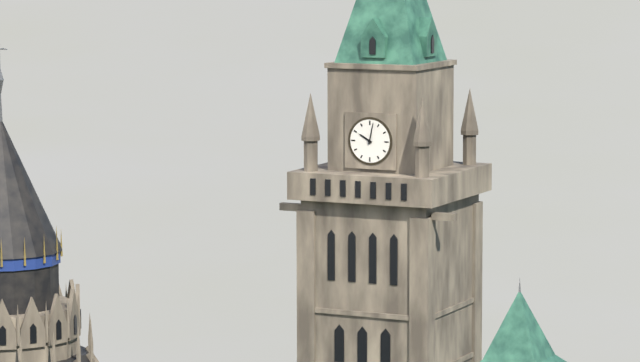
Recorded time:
10,02
